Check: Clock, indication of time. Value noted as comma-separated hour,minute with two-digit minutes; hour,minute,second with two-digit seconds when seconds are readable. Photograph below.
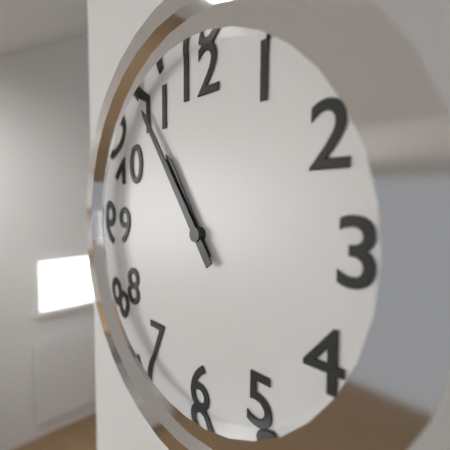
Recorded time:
10,54
